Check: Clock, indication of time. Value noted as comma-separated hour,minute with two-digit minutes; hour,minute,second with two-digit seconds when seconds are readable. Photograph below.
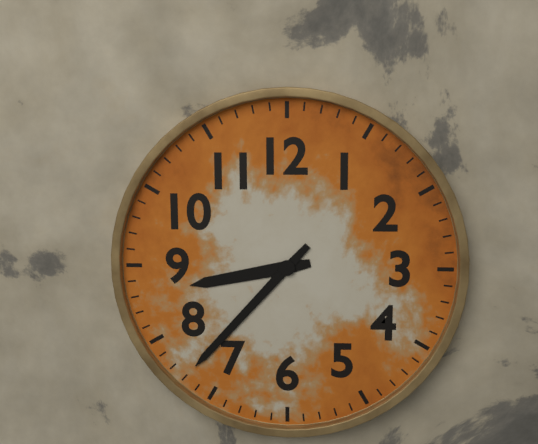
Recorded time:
8,37
